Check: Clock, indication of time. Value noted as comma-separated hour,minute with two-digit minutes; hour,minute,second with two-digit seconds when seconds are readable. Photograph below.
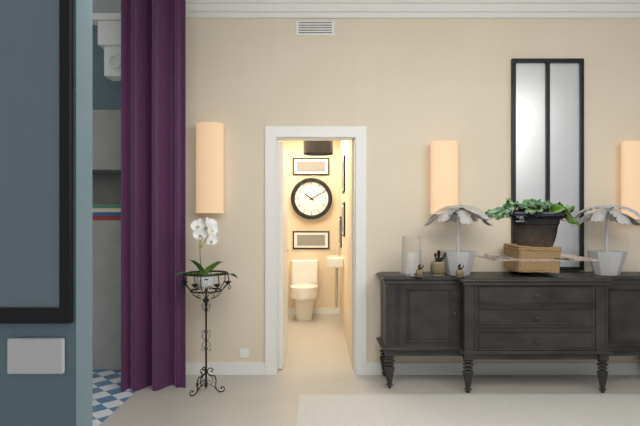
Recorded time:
10,10
